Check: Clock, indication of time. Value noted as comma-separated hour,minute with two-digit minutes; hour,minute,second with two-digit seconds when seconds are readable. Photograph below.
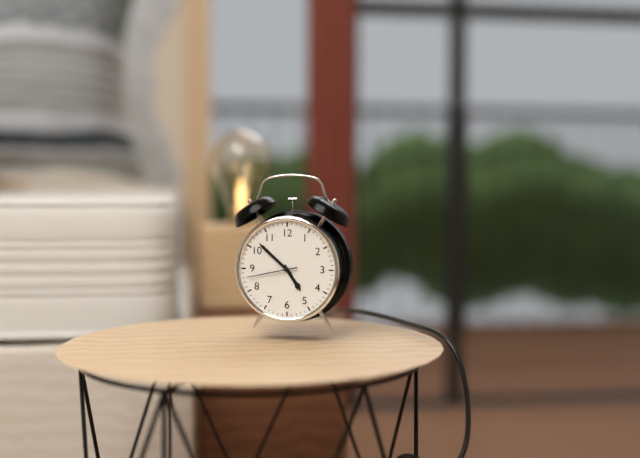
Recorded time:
4,52,43
